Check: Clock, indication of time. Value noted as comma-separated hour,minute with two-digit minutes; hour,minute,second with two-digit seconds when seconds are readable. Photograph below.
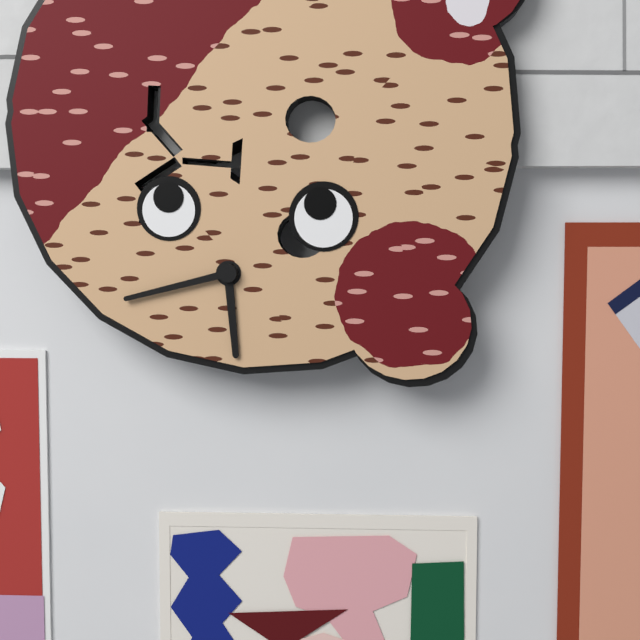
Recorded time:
5,42
